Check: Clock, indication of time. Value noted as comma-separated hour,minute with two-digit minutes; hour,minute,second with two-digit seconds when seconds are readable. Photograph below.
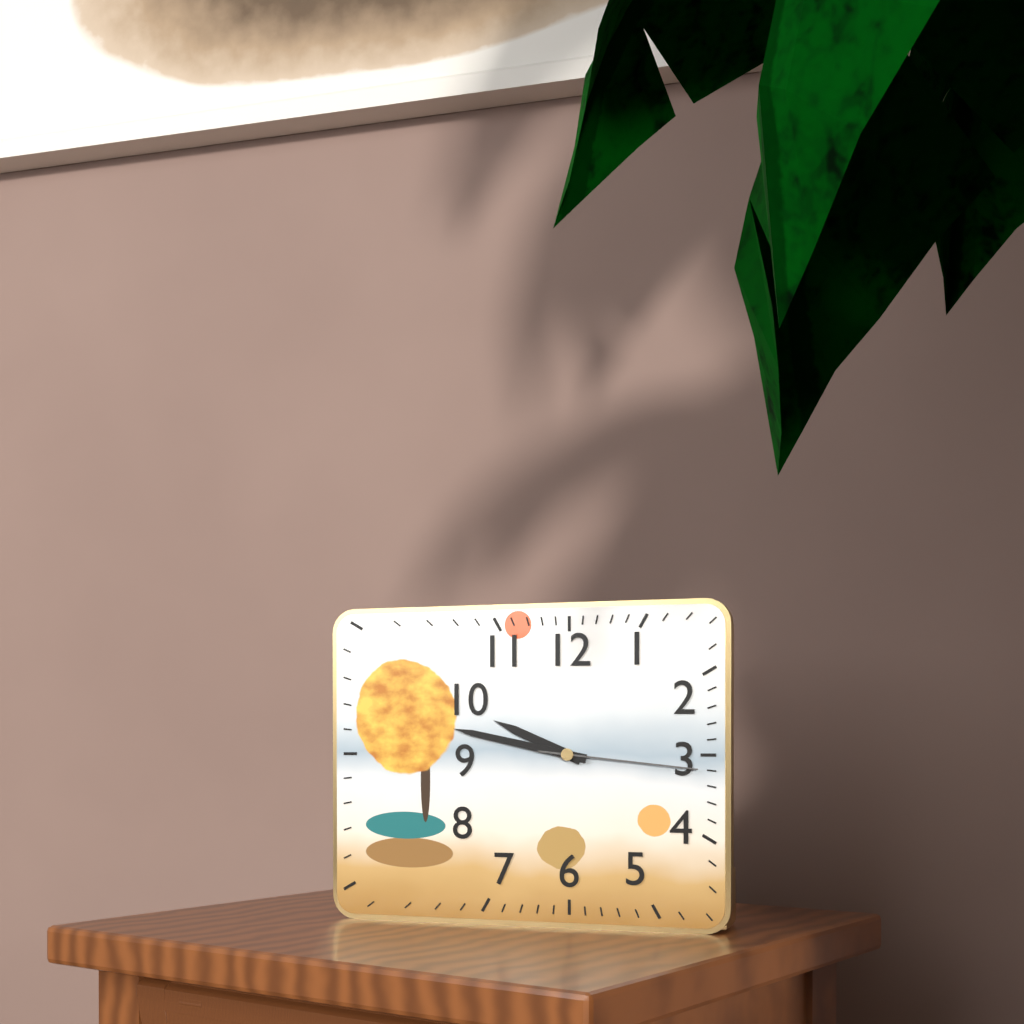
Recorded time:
9,47,16
